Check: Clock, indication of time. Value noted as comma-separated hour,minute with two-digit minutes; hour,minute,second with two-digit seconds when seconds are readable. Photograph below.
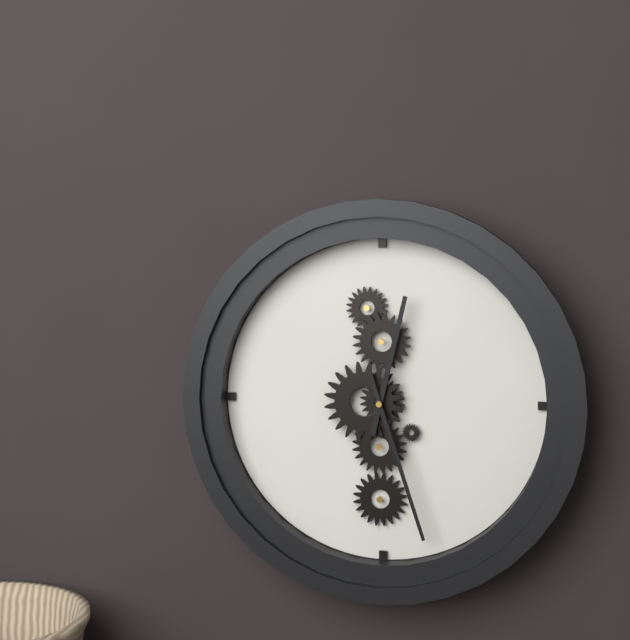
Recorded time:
12,27
